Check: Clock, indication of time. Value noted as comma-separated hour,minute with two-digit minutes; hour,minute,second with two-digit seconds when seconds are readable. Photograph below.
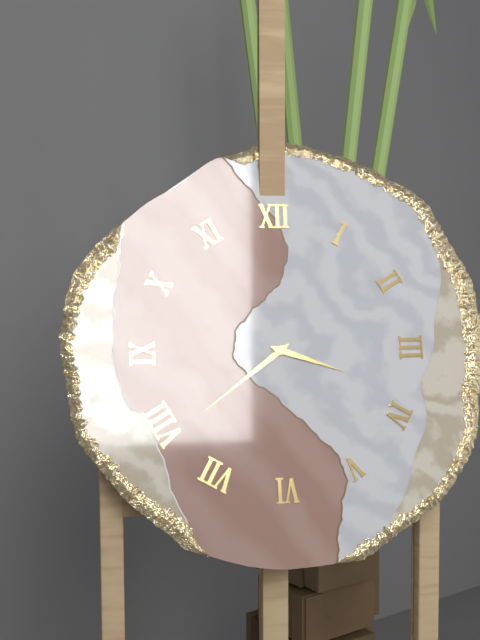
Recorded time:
3,39
